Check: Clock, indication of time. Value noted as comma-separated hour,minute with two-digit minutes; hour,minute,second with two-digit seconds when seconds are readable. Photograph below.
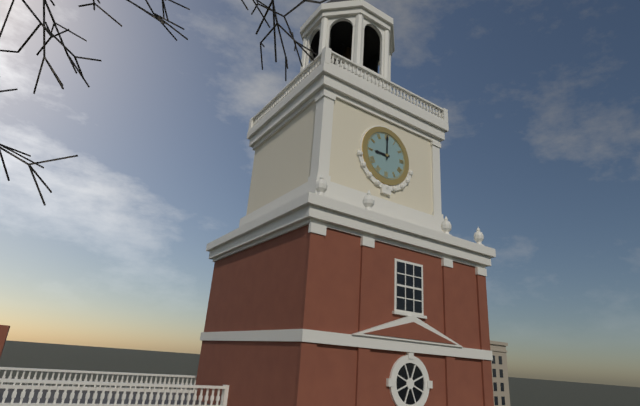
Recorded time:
9,00
